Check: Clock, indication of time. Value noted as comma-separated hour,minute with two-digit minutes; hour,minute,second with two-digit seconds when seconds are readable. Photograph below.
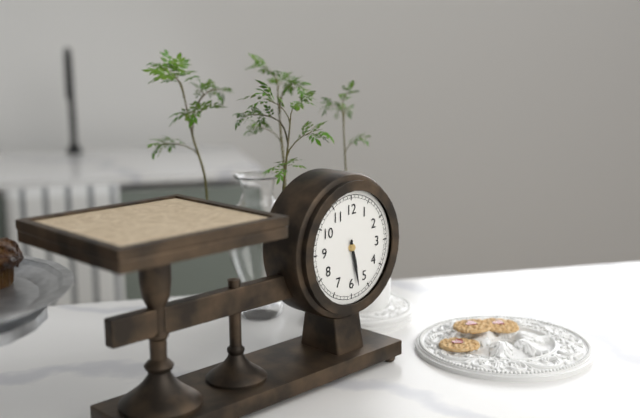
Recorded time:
5,28
